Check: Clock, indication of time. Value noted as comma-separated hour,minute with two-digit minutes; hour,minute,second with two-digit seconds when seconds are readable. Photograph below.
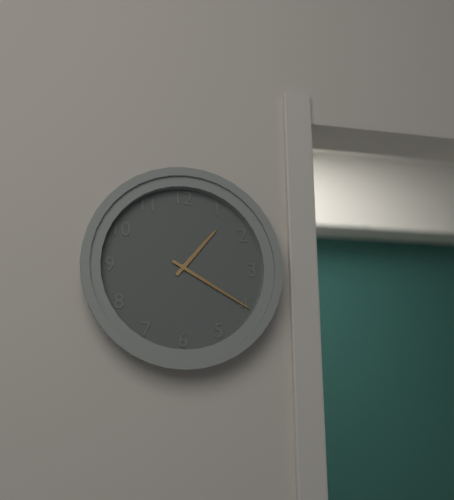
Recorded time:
1,20
